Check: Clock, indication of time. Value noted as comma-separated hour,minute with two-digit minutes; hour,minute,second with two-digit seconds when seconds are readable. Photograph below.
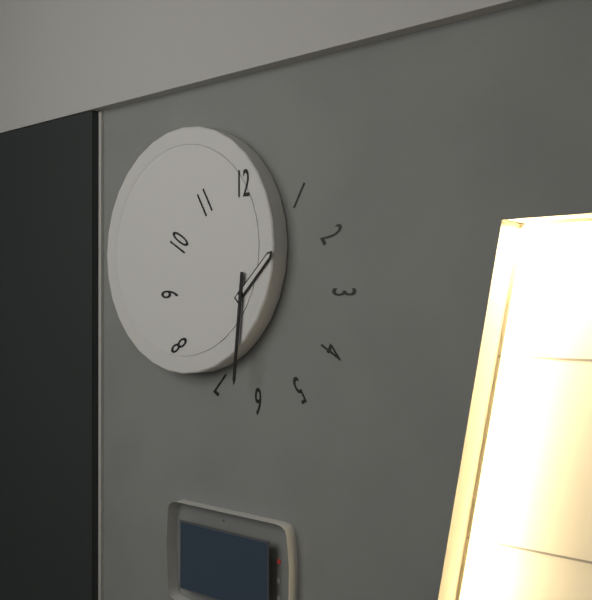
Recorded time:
1,31
